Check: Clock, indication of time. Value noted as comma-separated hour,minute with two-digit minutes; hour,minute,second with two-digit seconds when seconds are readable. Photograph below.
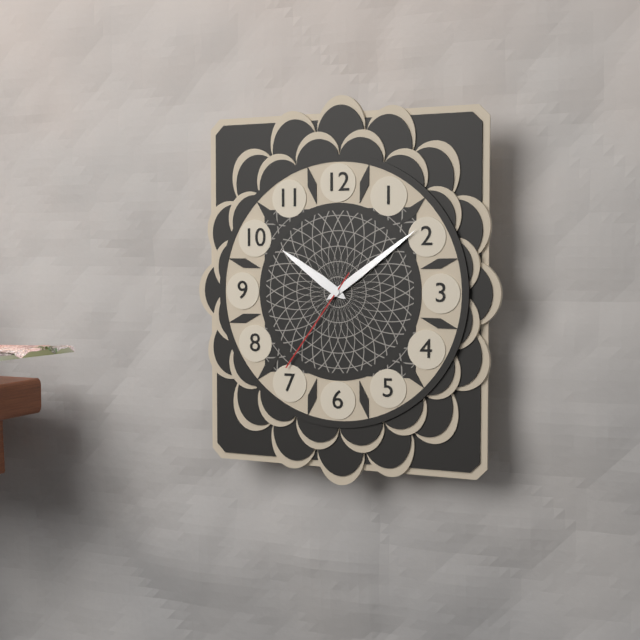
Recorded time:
10,09,36
